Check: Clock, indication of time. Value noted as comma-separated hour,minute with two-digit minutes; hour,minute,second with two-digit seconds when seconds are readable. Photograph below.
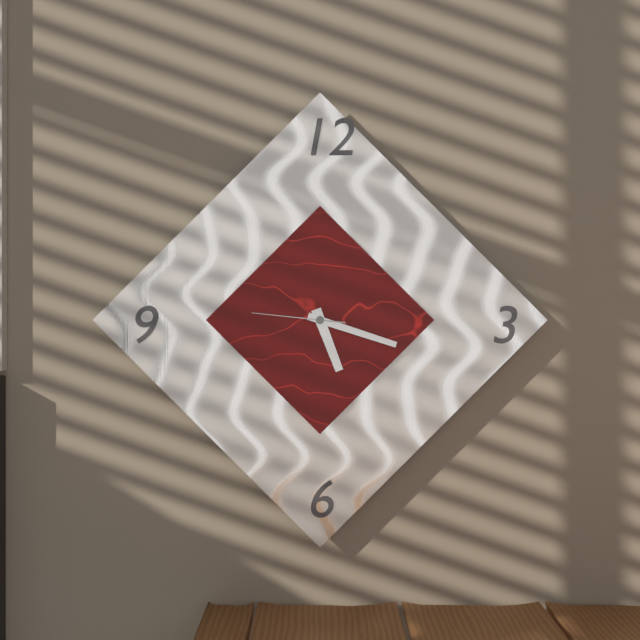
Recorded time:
5,18,46
